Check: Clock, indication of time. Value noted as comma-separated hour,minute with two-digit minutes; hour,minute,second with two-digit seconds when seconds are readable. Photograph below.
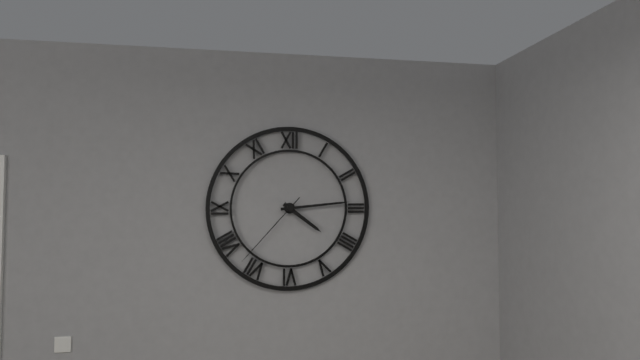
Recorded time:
4,14,37
